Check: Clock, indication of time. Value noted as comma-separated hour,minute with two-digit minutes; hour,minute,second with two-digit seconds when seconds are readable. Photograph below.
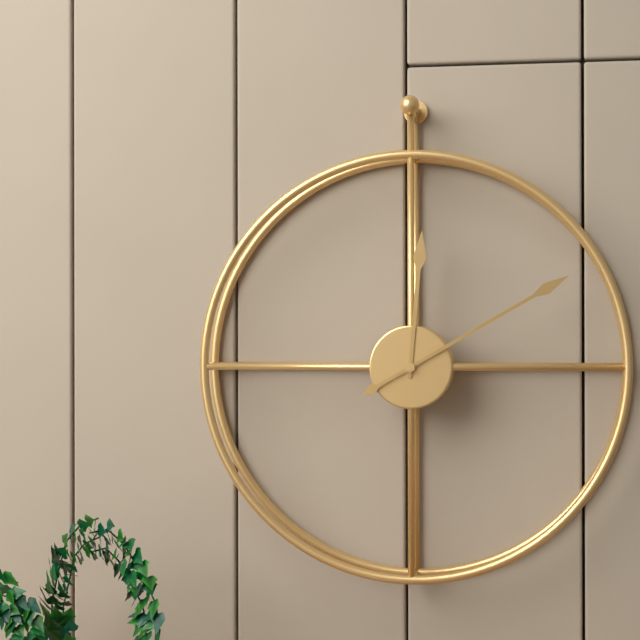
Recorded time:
12,10
